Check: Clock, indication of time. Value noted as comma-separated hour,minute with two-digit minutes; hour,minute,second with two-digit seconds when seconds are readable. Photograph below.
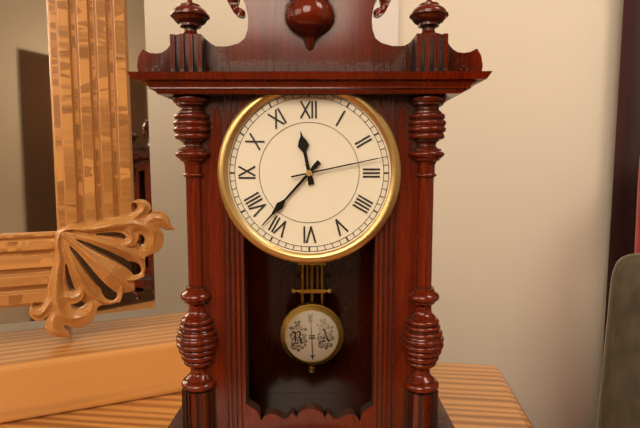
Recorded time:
11,37,13
